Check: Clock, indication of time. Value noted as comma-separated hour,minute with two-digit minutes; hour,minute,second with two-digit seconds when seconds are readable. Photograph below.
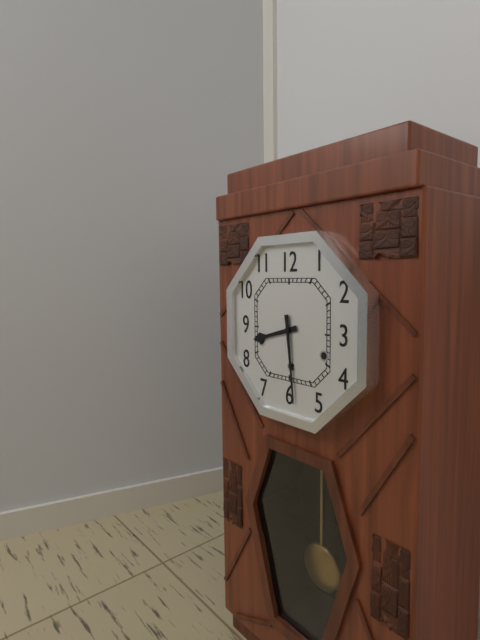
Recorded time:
8,29
